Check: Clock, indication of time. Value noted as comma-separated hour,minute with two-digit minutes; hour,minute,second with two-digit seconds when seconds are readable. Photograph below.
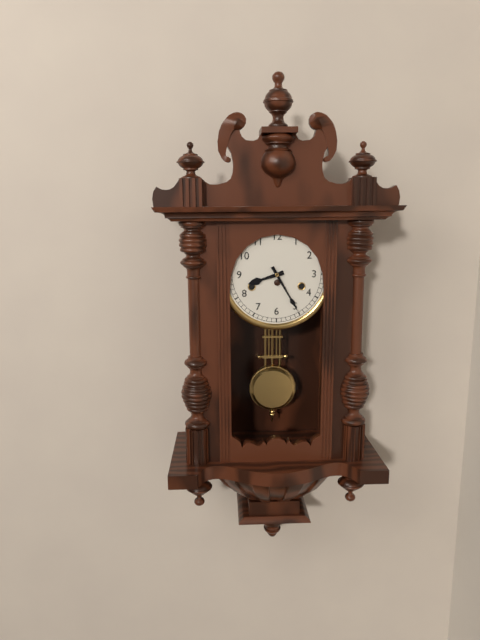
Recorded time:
8,25
